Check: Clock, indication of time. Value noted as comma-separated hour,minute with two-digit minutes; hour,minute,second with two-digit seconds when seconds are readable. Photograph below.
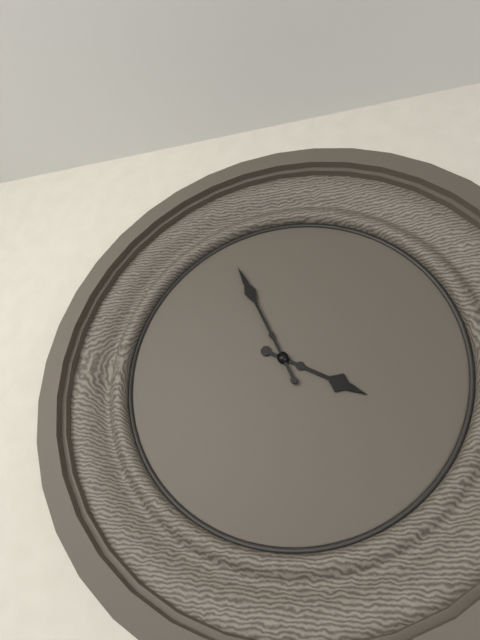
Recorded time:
3,56
